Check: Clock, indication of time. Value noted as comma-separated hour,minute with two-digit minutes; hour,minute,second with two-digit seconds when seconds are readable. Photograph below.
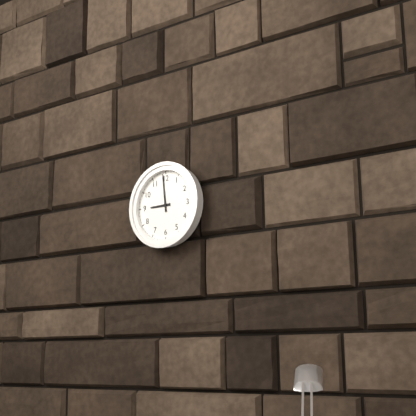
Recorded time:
8,59
